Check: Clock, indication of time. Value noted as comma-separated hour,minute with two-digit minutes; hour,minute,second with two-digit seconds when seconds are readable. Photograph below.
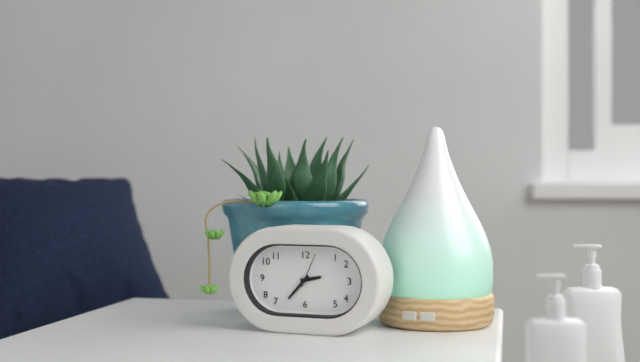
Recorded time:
2,37
